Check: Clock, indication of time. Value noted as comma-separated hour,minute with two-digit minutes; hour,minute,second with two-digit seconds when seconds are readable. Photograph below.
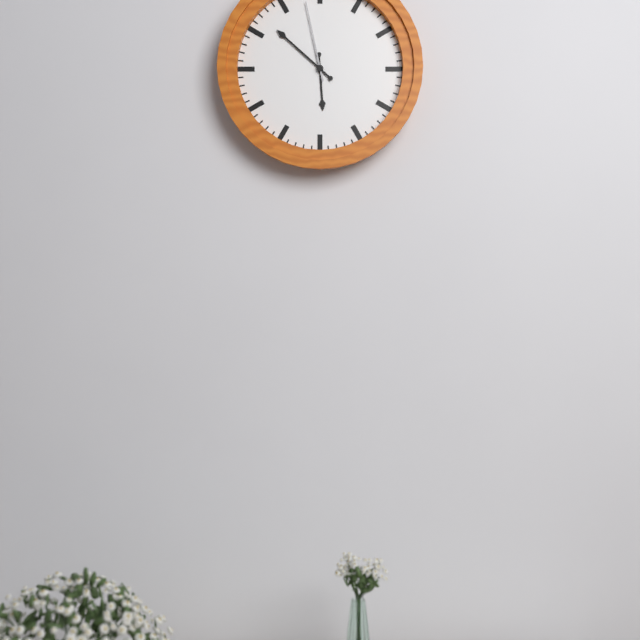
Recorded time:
5,52,58
